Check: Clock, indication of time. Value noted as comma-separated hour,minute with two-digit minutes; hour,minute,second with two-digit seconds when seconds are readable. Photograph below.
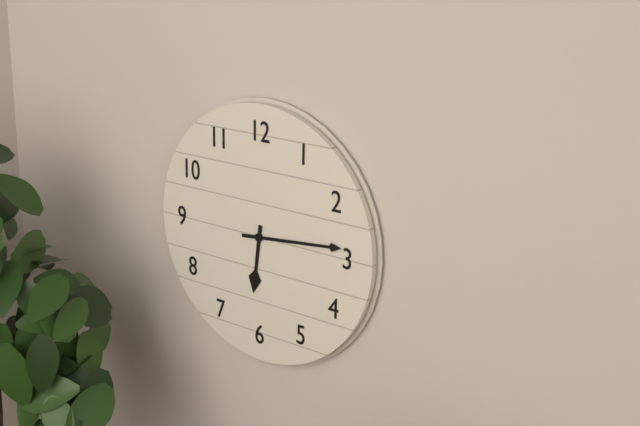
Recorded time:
6,14
